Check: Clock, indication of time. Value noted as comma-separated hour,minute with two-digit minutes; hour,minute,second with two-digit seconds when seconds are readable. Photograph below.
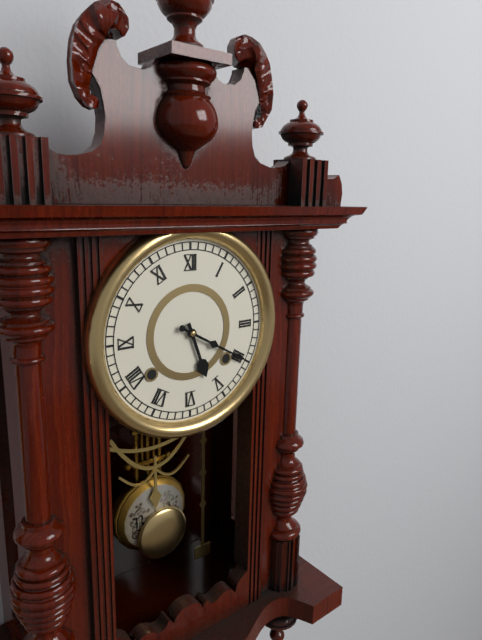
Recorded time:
5,20
